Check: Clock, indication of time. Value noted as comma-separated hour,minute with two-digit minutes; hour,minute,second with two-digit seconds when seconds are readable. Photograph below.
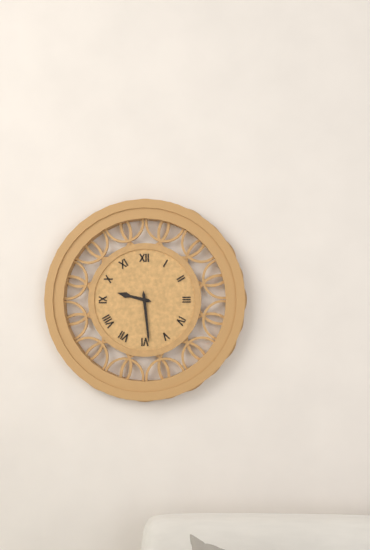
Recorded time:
9,29
